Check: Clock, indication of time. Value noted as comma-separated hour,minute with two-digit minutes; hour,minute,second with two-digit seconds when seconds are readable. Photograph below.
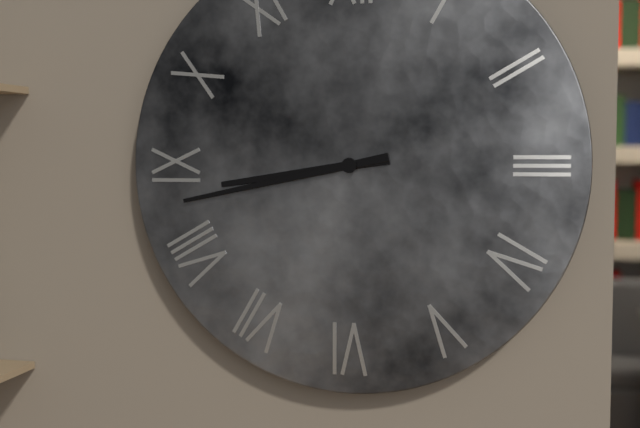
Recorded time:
8,43
